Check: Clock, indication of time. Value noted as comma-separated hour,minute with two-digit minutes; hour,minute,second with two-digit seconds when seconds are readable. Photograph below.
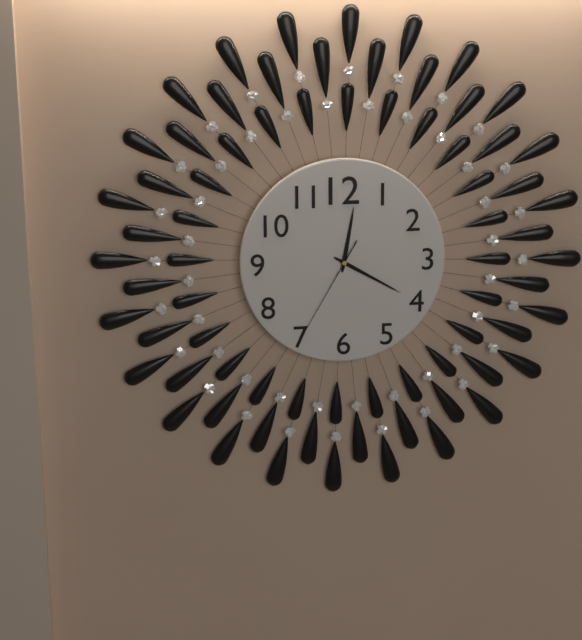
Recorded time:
12,20,35
